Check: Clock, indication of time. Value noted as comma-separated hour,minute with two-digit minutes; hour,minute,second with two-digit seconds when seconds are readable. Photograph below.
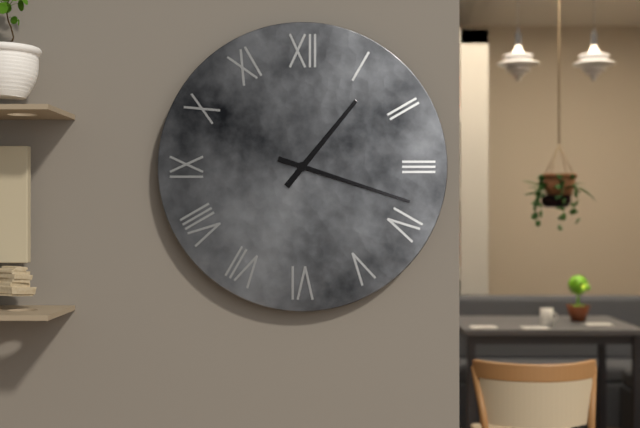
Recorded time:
1,18
